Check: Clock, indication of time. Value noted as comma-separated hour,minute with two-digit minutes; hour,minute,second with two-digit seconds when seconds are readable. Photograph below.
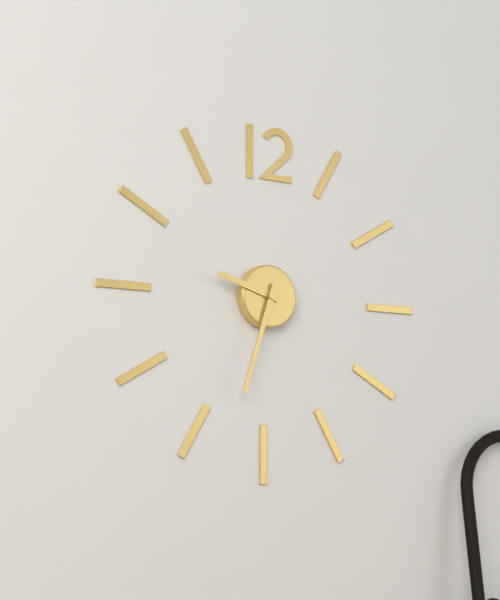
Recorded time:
9,33
